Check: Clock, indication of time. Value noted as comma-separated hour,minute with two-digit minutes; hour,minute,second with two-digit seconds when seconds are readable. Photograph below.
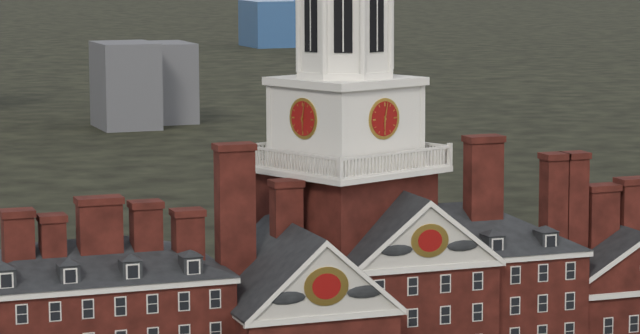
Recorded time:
6,02
